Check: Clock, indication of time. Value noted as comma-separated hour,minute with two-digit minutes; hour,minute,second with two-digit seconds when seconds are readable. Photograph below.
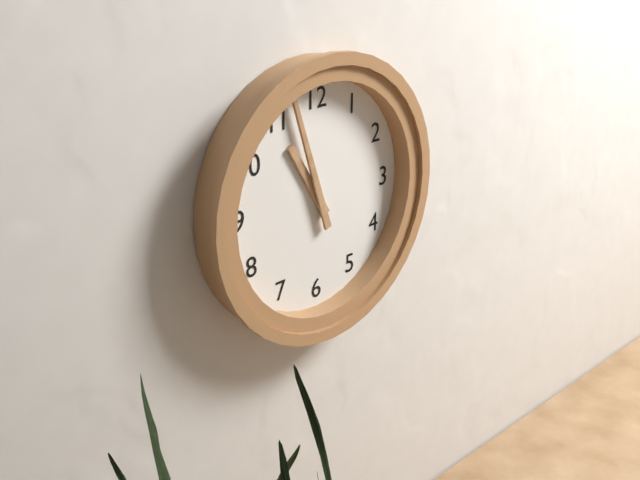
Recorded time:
10,57
